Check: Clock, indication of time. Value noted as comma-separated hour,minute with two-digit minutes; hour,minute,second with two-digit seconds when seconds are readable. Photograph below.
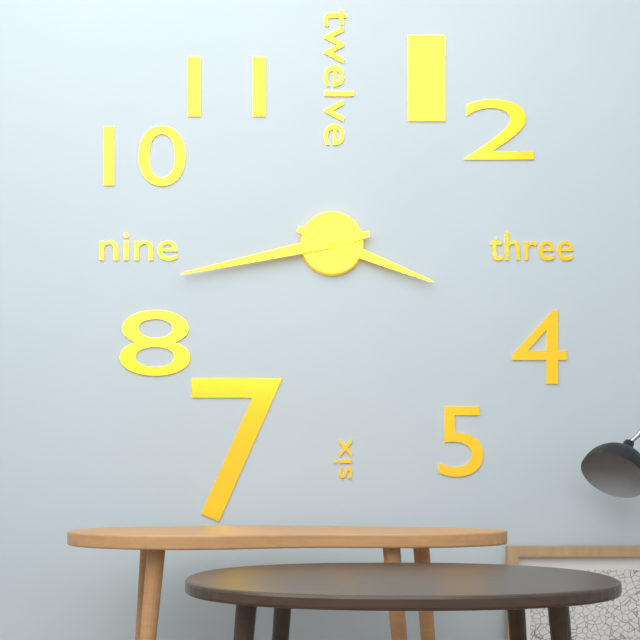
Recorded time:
3,43
